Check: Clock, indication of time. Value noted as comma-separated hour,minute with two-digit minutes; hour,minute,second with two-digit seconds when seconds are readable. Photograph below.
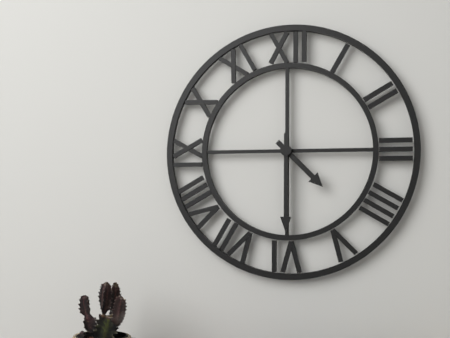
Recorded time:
4,30
